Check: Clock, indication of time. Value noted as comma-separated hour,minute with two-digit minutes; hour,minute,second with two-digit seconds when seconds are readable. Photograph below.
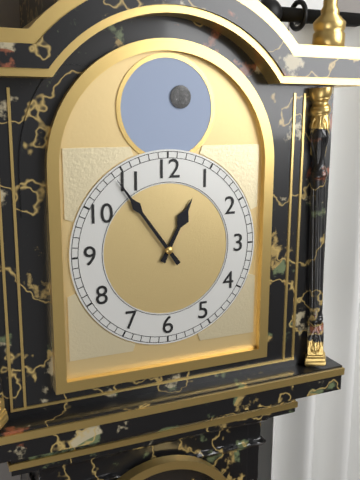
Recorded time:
12,54
